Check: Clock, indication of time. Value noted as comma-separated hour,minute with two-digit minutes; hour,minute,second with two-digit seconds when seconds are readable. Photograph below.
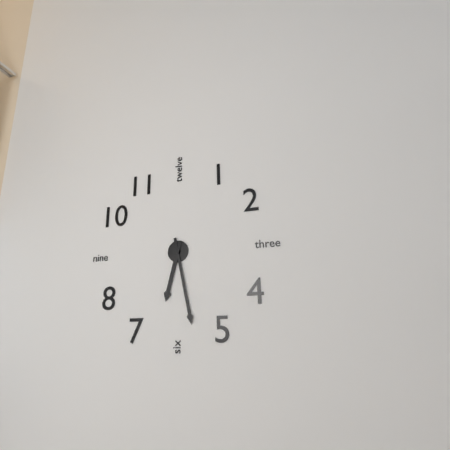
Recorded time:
6,28
